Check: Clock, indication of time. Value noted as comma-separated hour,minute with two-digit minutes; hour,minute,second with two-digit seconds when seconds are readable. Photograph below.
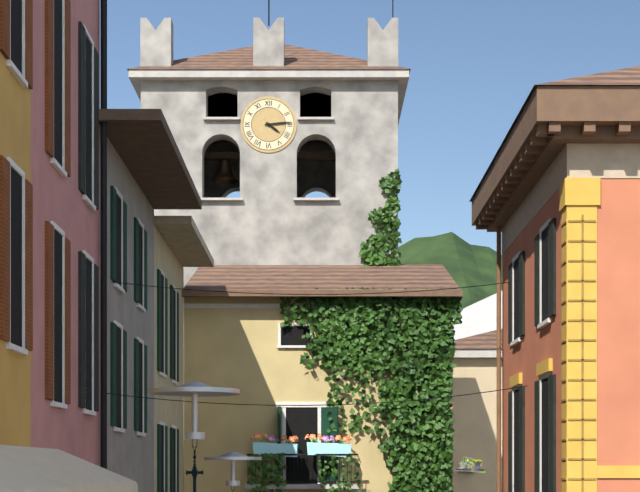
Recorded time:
4,14
